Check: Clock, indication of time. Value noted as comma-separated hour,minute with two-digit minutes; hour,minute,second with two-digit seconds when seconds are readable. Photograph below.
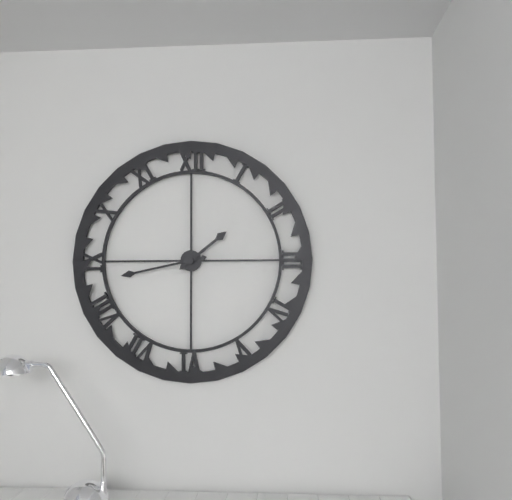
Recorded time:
1,43
